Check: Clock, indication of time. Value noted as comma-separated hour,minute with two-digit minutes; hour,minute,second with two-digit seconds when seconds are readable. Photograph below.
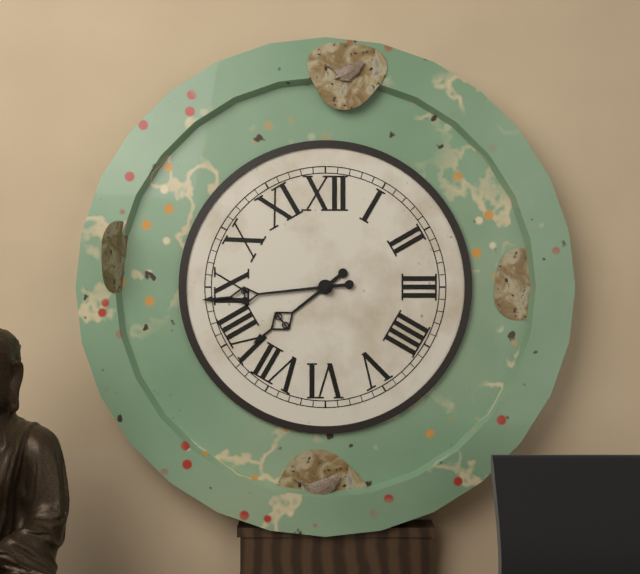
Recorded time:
7,44
